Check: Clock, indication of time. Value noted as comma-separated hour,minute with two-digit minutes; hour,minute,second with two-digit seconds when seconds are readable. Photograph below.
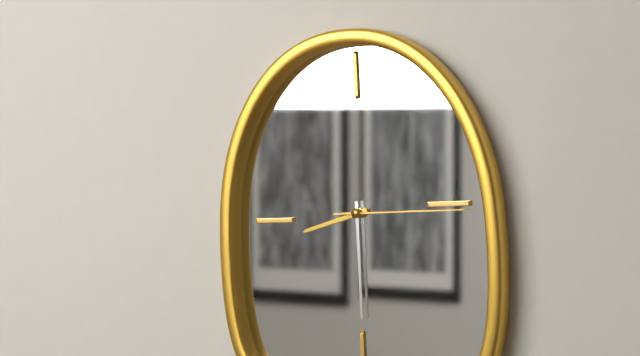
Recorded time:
8,30,15
